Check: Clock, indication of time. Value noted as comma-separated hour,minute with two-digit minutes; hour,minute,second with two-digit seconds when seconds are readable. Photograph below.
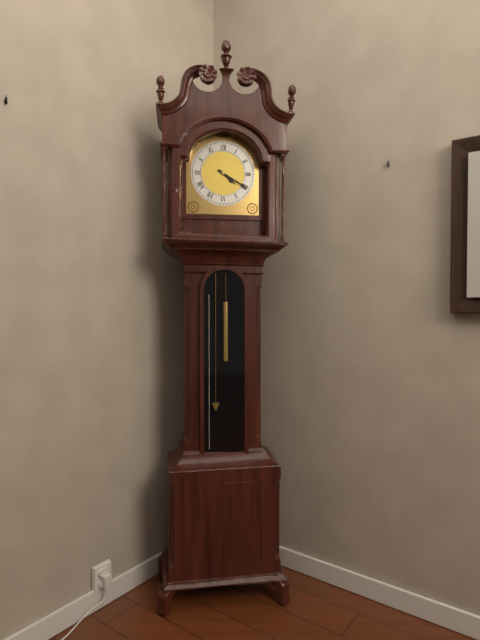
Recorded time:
4,20
